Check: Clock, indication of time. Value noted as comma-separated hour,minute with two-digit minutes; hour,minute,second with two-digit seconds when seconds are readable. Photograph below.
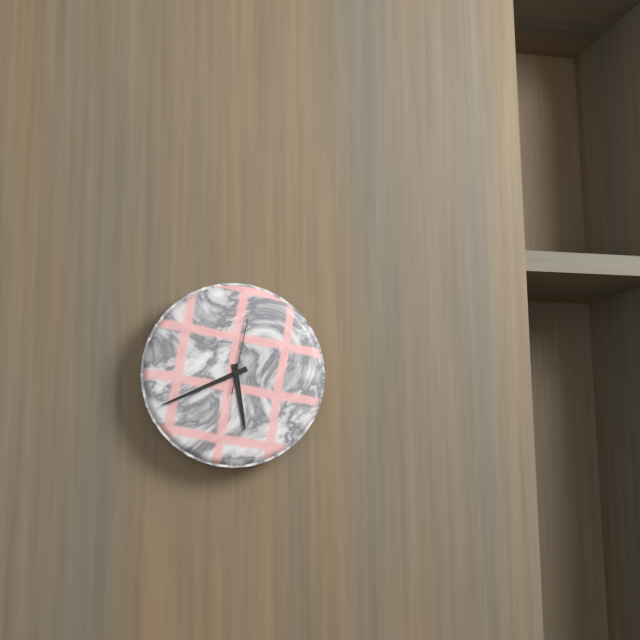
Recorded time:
5,41,02
